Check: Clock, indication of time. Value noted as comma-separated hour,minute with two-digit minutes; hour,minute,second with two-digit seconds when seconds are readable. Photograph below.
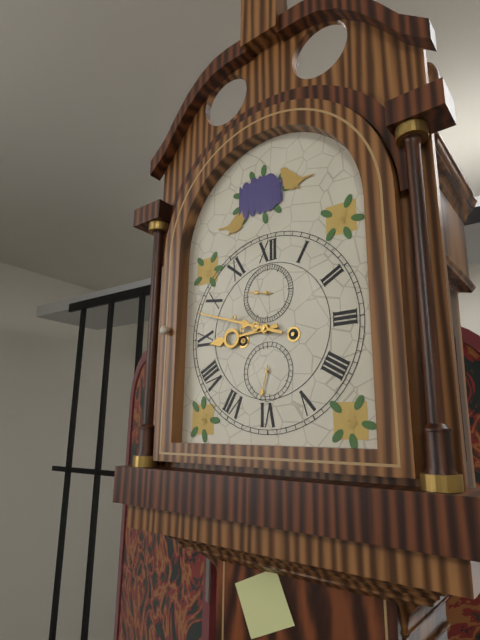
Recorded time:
8,48
